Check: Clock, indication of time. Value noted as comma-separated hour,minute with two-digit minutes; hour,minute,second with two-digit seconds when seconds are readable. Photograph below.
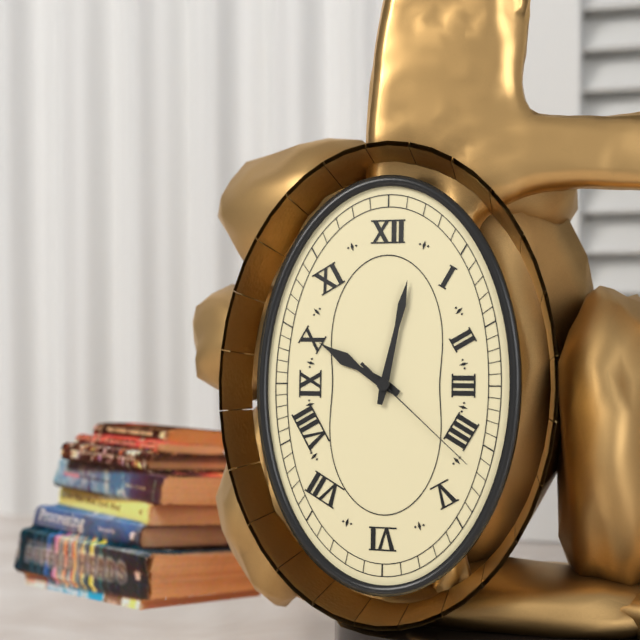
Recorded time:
10,02,22
